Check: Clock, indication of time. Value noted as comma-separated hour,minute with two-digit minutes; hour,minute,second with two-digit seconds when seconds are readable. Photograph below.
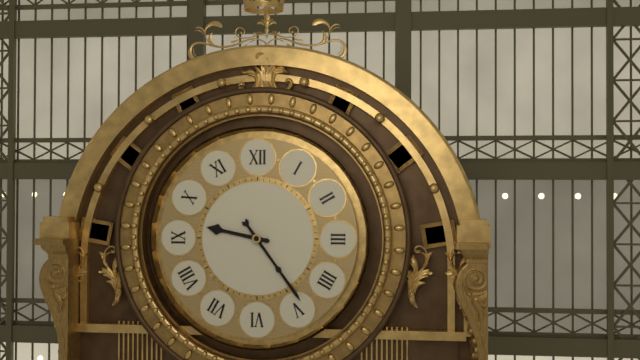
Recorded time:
9,24
